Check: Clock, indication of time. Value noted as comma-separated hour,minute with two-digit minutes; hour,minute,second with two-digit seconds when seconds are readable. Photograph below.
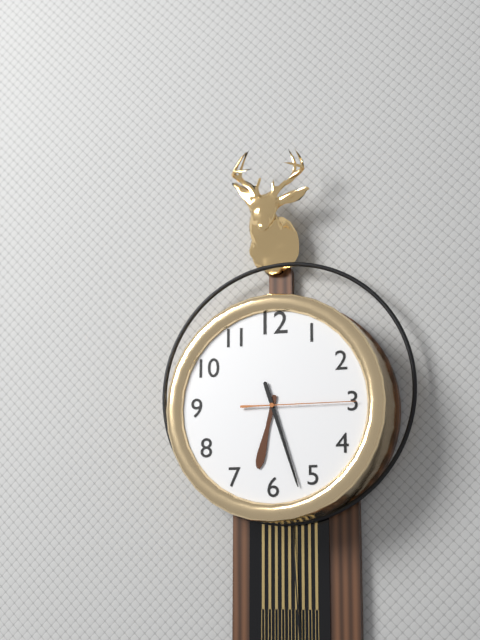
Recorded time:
6,27,15
